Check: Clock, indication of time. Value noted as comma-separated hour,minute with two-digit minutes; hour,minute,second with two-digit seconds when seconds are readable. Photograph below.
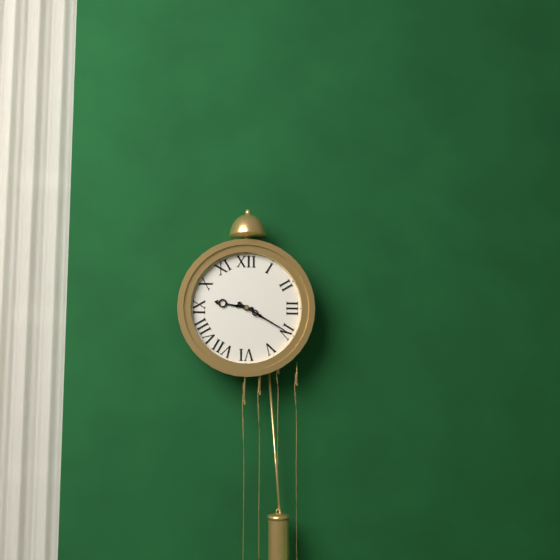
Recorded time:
9,20
